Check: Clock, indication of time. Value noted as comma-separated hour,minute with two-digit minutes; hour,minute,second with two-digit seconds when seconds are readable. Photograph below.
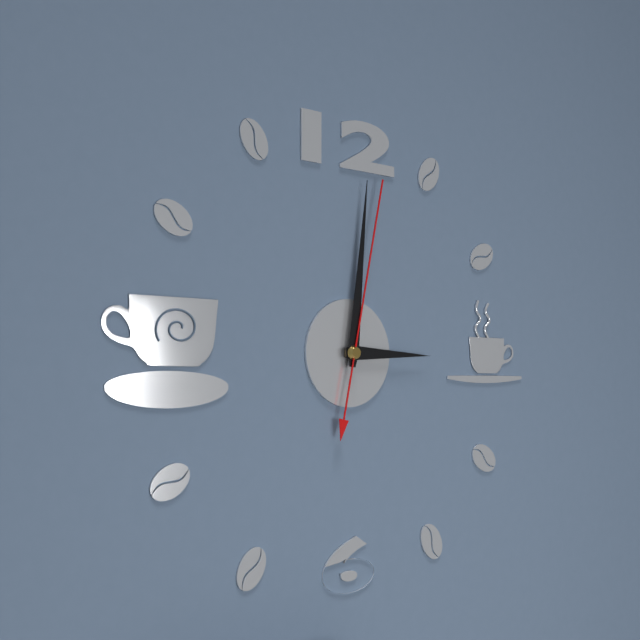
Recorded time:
3,01,02
